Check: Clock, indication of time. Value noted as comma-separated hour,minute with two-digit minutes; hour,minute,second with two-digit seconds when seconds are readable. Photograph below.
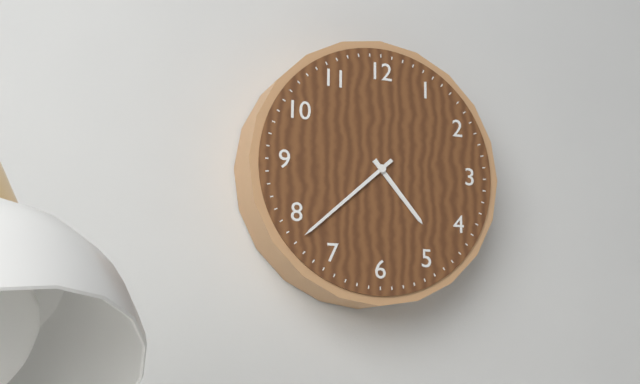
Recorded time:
4,38
